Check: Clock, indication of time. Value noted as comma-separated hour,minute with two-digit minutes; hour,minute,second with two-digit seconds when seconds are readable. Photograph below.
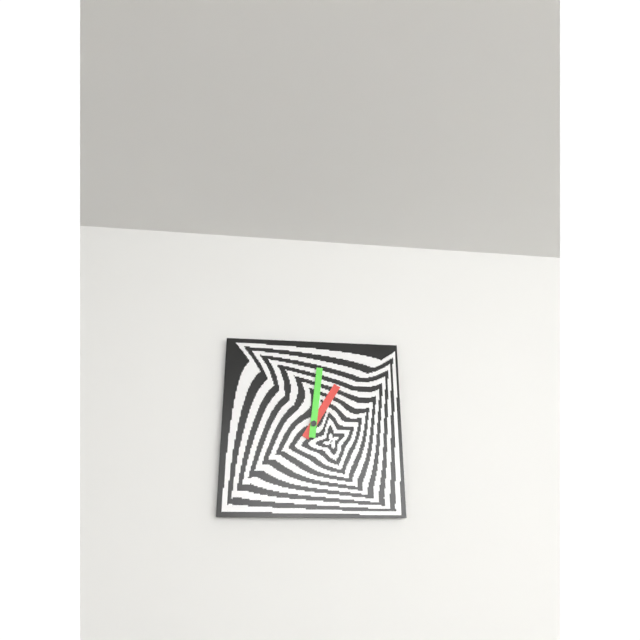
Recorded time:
1,01
